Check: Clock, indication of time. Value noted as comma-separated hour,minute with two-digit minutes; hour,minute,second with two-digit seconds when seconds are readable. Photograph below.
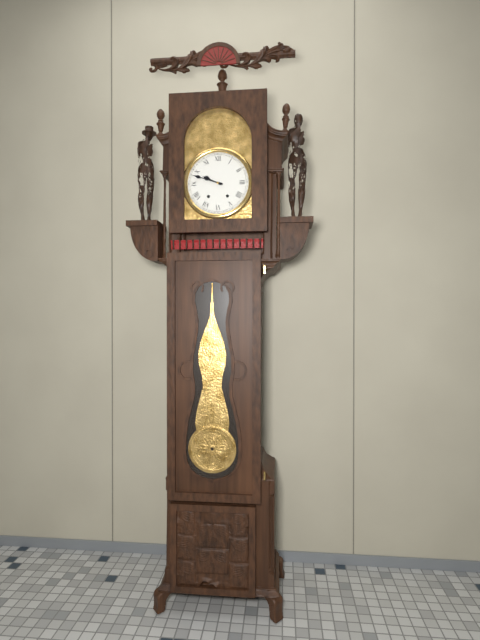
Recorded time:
9,48
